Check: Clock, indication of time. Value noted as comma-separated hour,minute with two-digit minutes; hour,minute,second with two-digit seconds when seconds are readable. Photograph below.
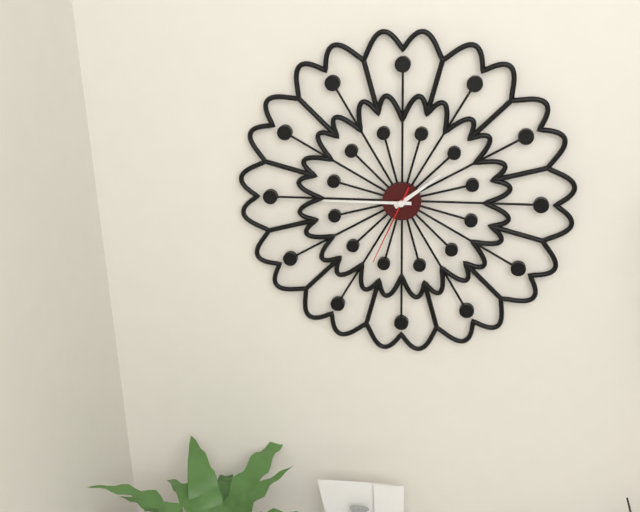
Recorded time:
1,45,34
